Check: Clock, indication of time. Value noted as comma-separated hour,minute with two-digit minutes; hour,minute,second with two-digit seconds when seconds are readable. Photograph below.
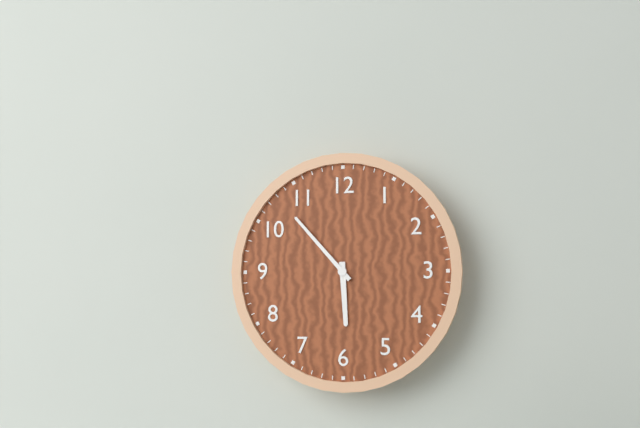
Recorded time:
5,53
